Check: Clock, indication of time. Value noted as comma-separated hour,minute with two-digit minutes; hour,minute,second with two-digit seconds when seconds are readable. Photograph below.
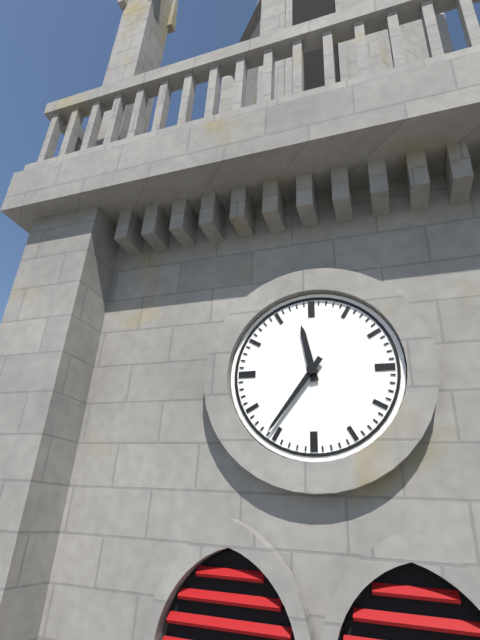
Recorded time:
11,36
